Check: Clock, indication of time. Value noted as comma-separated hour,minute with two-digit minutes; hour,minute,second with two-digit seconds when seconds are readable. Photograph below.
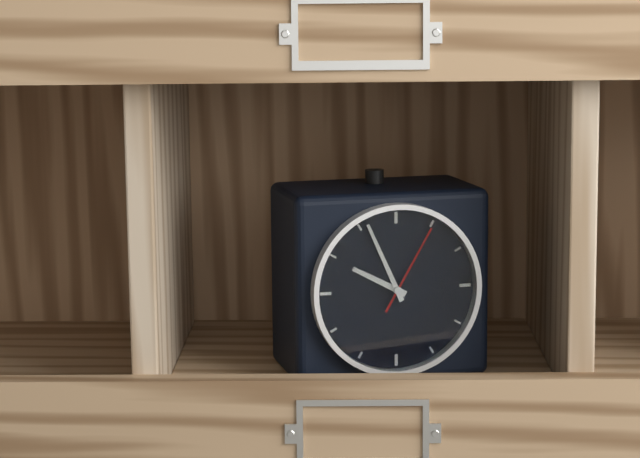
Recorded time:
9,56,05
